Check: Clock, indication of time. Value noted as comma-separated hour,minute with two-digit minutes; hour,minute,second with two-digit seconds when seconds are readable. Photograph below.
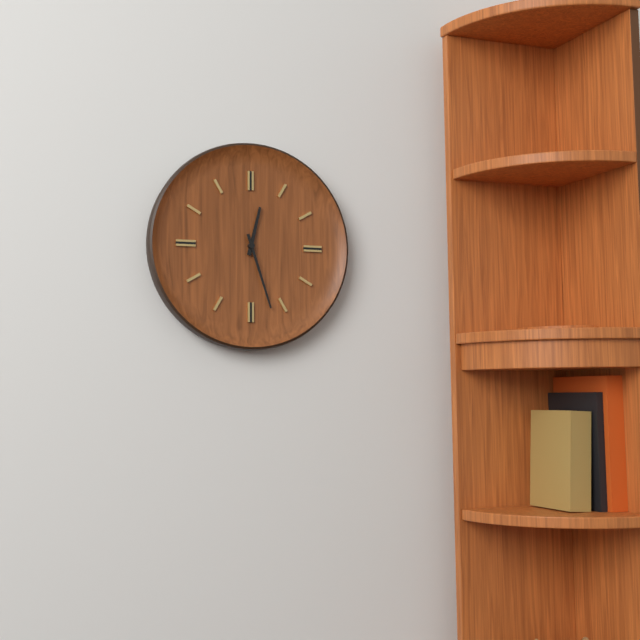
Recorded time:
12,27
